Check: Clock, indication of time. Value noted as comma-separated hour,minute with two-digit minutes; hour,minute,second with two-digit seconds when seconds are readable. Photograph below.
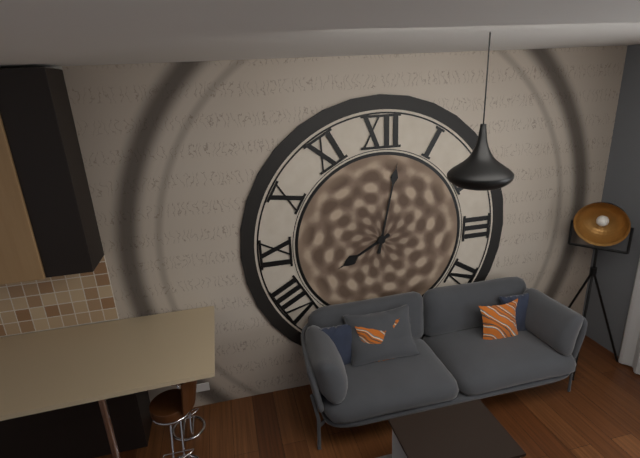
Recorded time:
8,02
